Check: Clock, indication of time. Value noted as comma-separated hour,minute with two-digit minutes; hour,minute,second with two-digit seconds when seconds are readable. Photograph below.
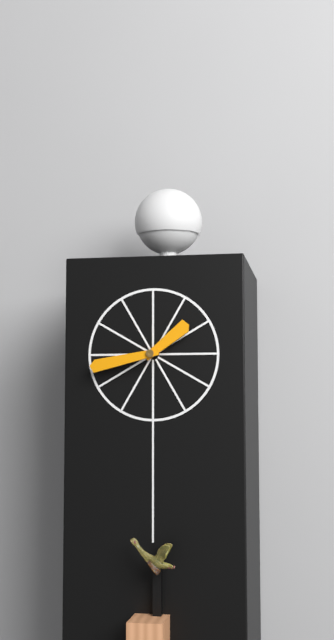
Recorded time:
1,43
